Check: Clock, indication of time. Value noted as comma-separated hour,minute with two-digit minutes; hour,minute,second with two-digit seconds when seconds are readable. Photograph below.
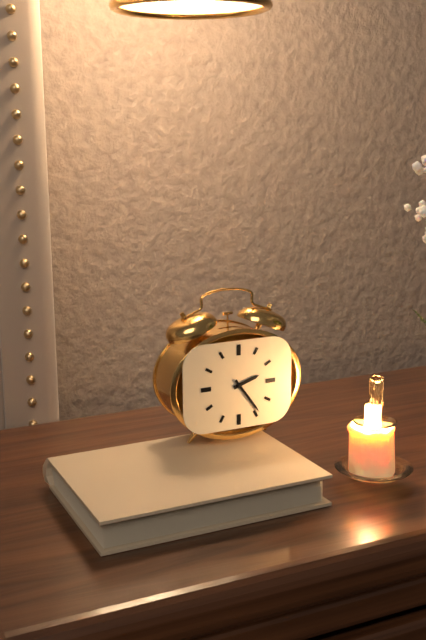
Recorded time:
2,24
